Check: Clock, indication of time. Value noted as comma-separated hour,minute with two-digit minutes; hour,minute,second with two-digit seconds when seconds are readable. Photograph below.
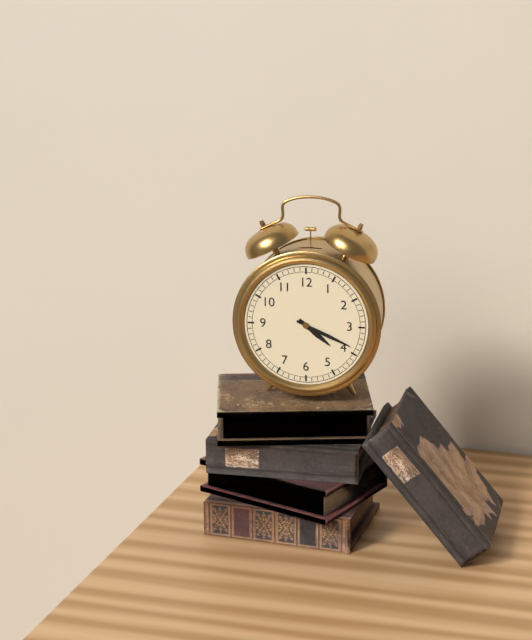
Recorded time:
4,19
